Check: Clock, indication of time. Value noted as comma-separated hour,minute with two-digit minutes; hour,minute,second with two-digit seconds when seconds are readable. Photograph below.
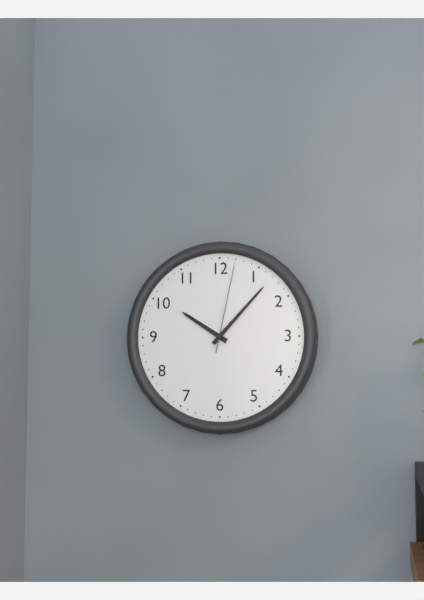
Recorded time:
10,07,02
